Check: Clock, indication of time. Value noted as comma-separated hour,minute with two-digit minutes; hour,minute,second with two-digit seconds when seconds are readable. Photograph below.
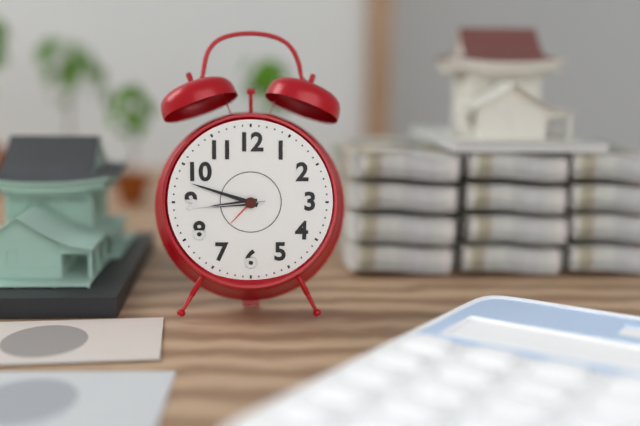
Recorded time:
8,48,44
